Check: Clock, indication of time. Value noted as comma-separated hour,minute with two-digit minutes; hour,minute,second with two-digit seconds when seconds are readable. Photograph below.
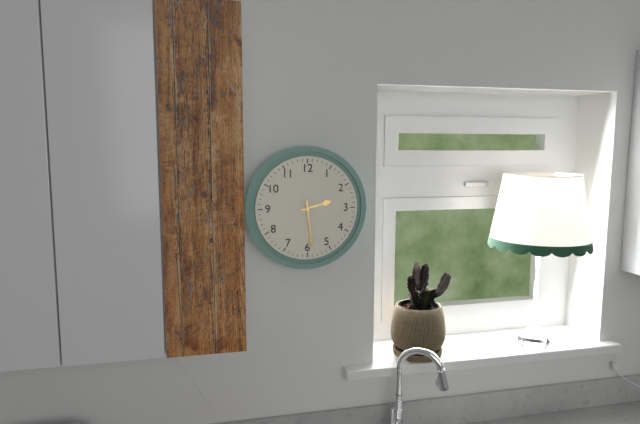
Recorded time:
2,29
